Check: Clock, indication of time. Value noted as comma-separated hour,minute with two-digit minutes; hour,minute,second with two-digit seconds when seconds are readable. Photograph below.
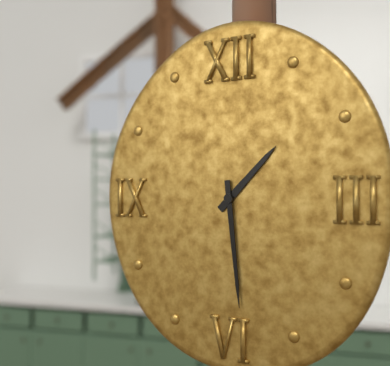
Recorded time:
1,29
